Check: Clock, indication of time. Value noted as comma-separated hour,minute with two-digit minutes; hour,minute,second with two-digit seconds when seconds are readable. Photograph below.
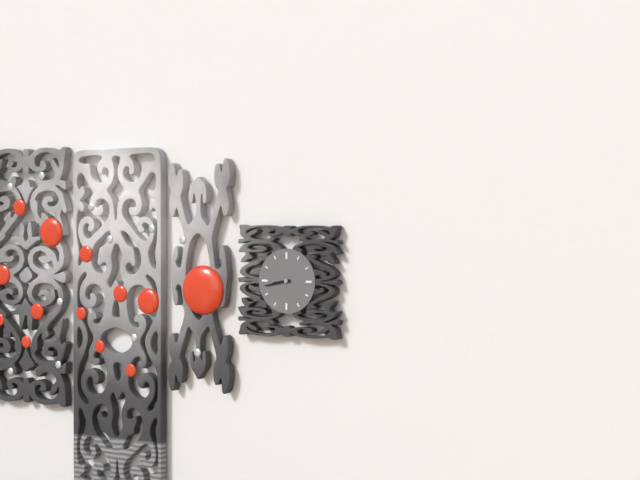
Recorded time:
8,43
